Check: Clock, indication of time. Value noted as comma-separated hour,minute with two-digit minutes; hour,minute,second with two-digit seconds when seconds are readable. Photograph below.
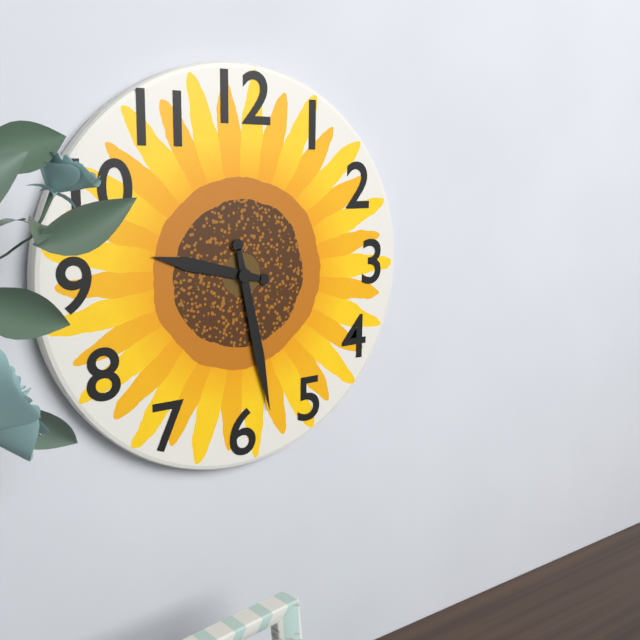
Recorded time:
9,28
